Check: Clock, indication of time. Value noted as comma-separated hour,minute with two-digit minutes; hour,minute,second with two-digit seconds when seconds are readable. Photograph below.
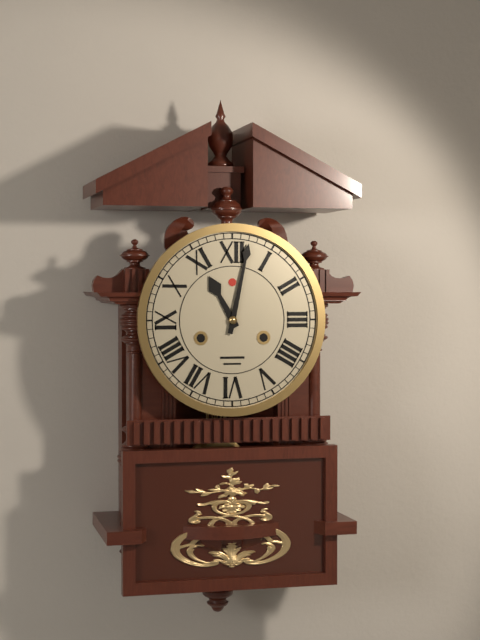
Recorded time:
11,02
